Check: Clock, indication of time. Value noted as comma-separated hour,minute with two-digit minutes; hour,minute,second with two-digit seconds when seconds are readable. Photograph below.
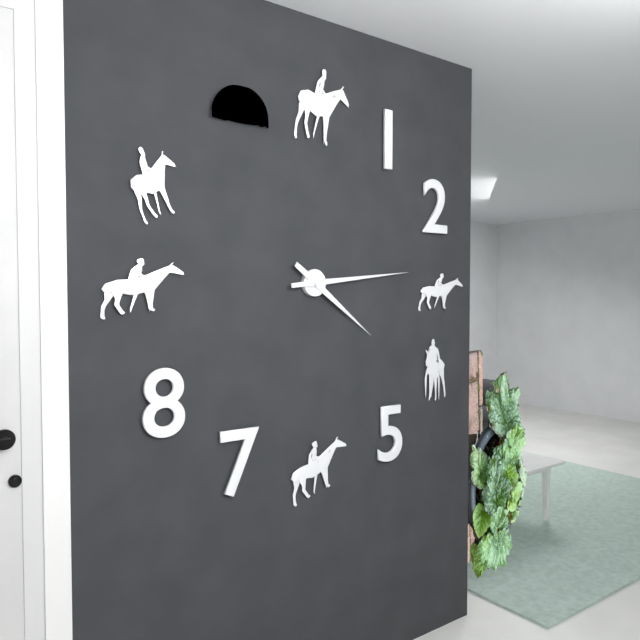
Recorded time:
4,14
